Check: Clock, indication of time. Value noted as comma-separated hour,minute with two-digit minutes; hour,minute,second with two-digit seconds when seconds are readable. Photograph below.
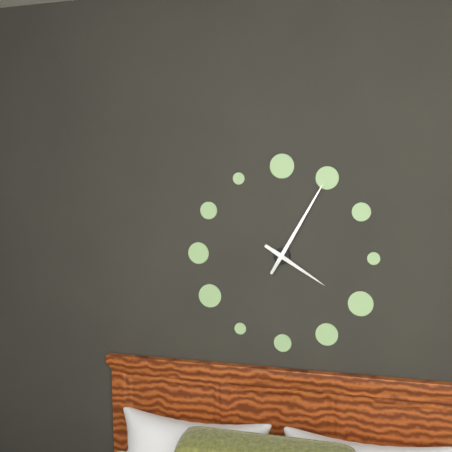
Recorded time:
4,05
